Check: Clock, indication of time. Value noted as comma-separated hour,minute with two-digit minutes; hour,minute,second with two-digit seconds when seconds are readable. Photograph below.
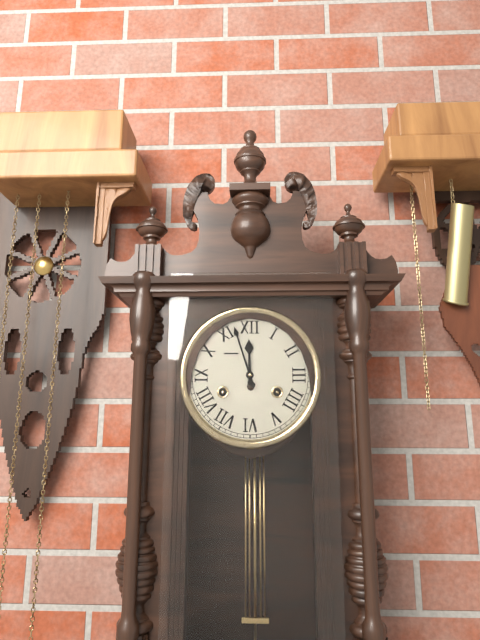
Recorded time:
11,57
